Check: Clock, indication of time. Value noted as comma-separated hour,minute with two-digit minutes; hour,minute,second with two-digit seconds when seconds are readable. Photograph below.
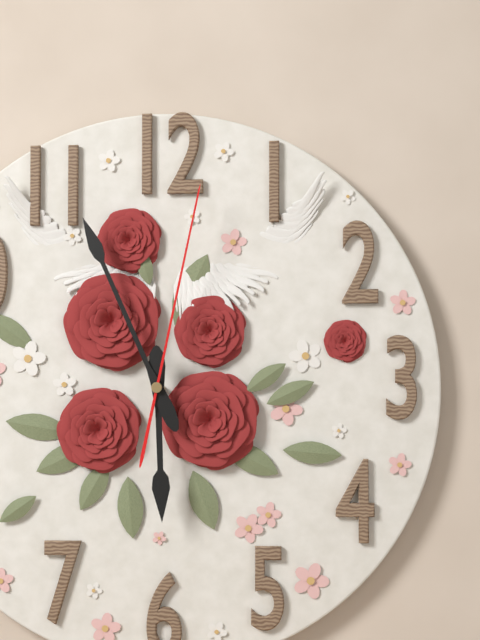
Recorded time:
5,56,02
